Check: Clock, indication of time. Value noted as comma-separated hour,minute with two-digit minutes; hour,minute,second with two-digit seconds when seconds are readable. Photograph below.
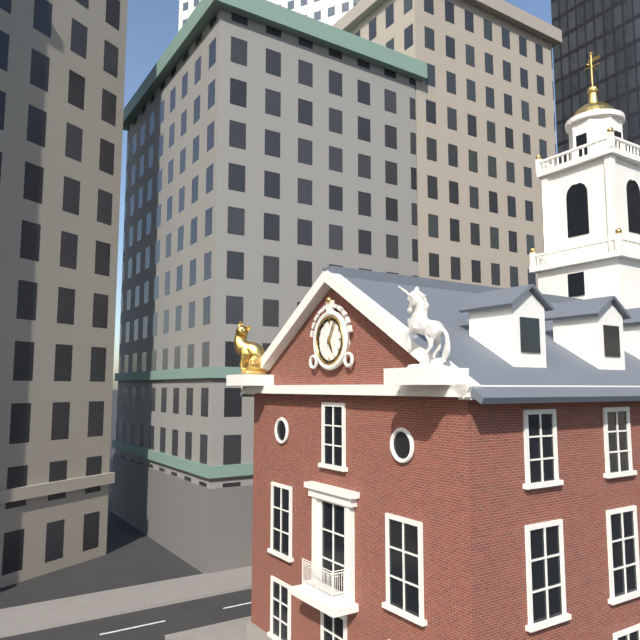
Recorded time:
5,05
